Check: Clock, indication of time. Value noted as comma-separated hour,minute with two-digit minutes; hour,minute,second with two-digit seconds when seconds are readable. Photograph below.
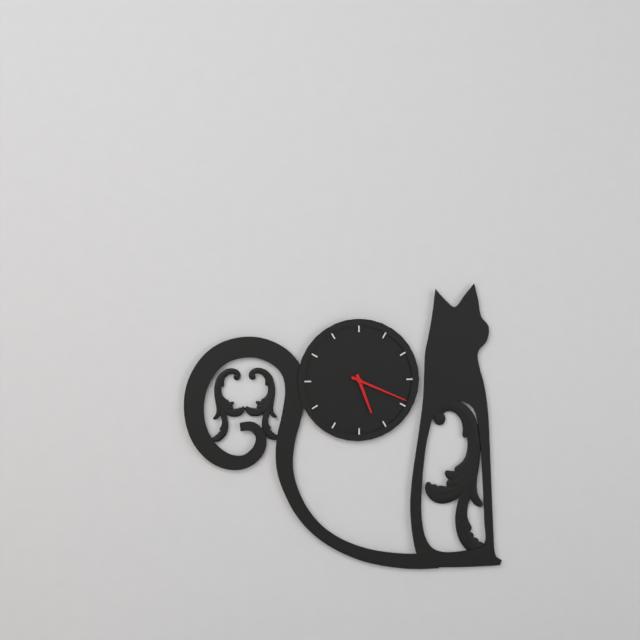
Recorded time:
5,19
